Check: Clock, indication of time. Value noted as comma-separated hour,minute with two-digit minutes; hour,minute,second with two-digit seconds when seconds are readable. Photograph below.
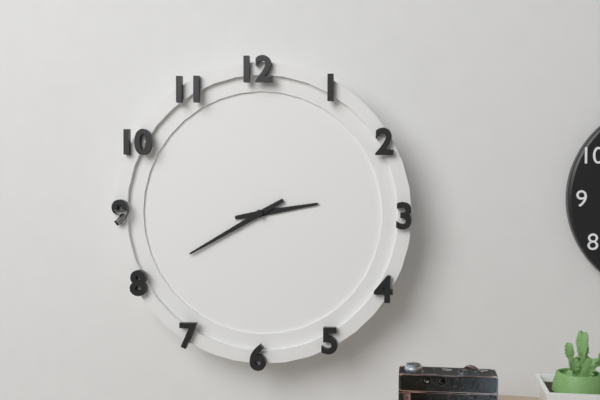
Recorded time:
2,40
